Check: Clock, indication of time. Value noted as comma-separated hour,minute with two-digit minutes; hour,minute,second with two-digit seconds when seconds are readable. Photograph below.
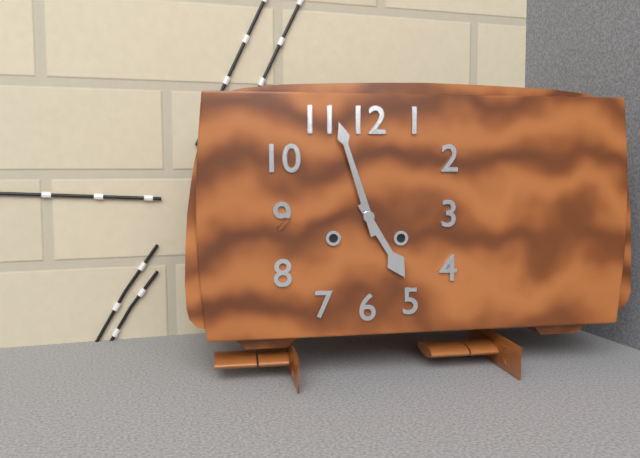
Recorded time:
4,57
